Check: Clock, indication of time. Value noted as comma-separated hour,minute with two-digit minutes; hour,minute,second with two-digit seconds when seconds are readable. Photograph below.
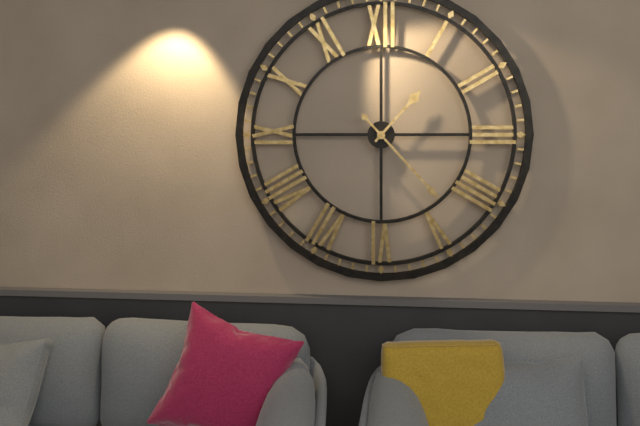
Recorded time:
1,23
